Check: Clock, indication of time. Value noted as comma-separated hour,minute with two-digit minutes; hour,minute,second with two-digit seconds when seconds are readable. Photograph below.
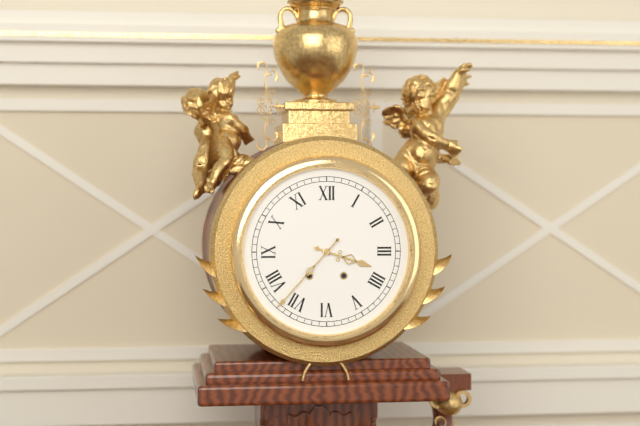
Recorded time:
3,37
